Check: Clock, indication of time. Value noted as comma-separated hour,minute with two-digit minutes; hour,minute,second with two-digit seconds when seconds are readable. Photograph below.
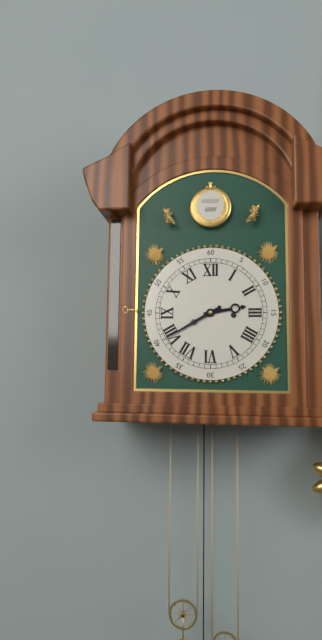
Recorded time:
2,40
